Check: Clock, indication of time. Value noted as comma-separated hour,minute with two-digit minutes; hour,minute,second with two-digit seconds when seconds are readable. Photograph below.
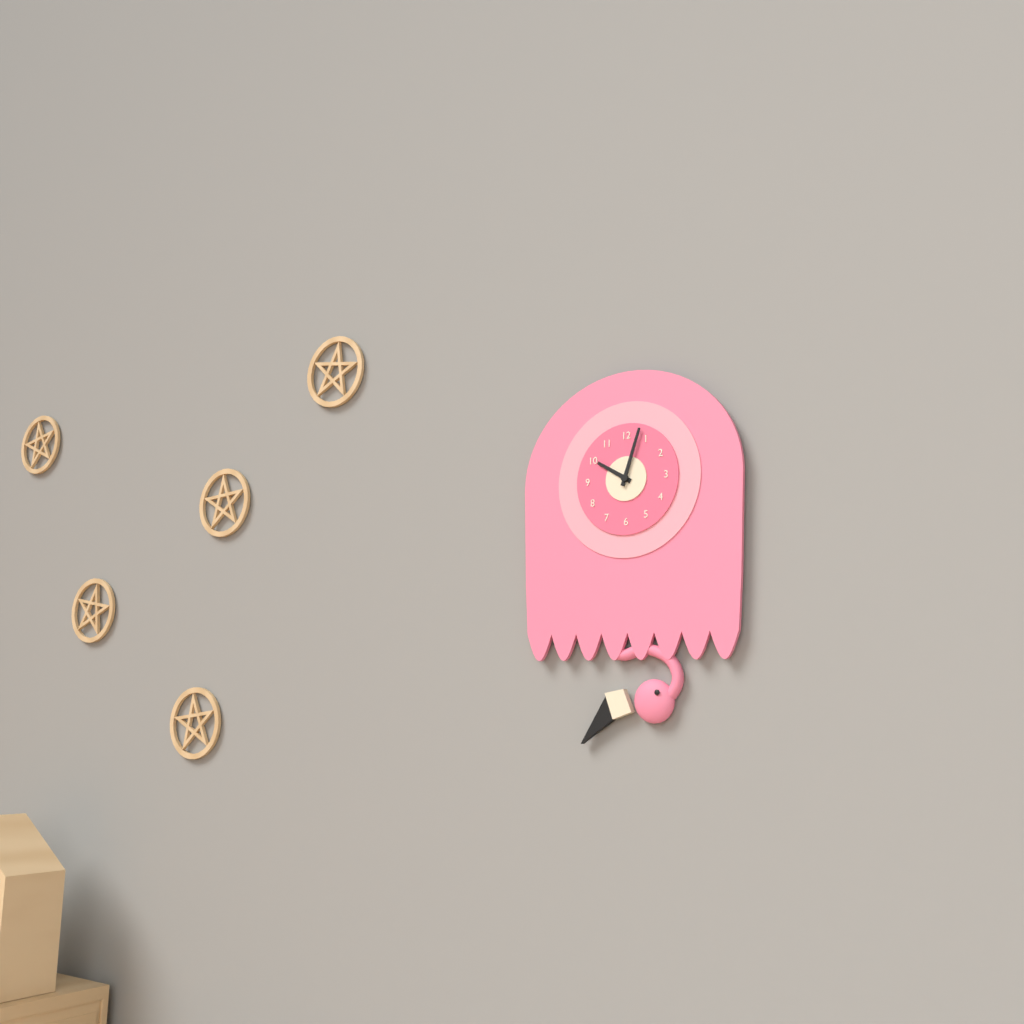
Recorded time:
10,03
